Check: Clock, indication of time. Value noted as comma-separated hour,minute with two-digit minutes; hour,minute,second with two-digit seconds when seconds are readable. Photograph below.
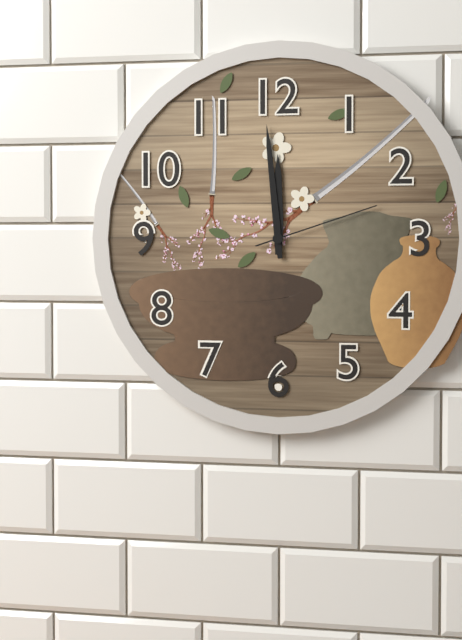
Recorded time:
11,59,12
